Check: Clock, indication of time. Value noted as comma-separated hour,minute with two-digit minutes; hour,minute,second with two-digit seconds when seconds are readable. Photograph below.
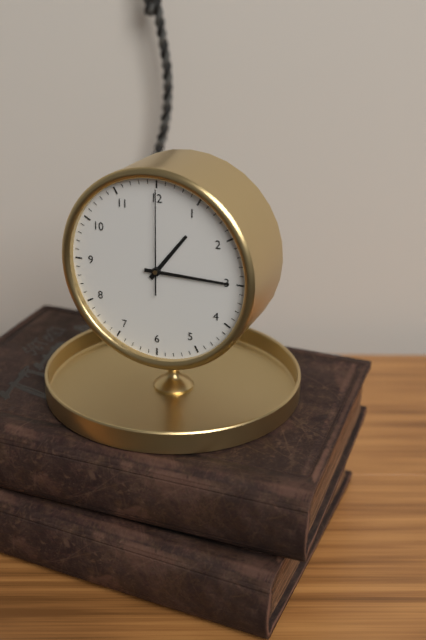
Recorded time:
1,15,00
